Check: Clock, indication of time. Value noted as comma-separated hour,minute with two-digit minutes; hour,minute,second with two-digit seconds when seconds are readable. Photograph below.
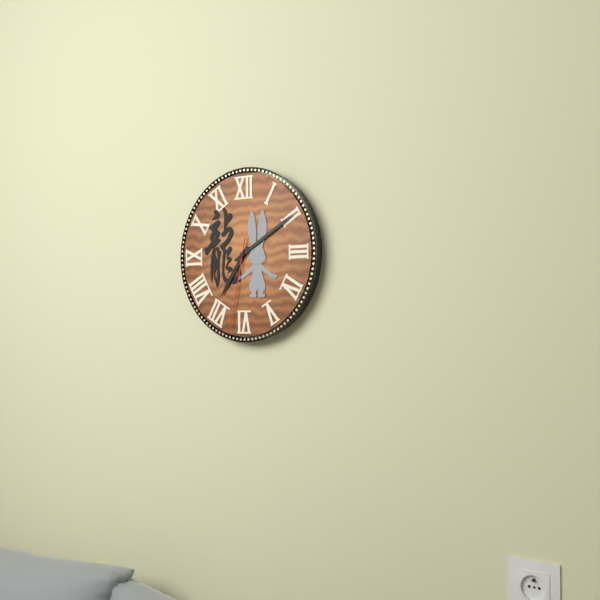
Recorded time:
7,10,32
